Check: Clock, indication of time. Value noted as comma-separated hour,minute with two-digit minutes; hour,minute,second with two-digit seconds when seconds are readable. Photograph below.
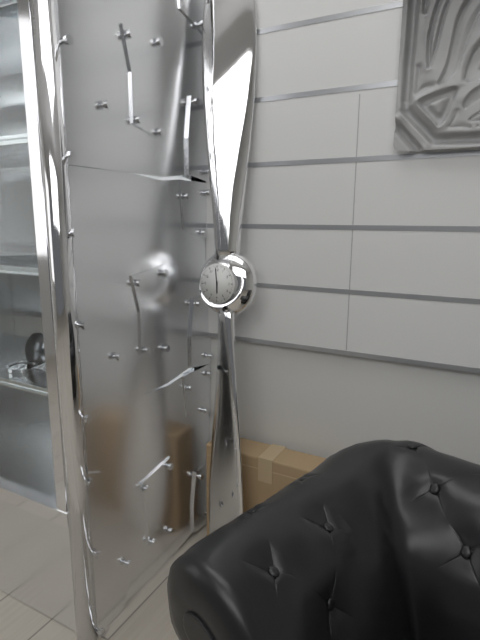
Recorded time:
5,59
